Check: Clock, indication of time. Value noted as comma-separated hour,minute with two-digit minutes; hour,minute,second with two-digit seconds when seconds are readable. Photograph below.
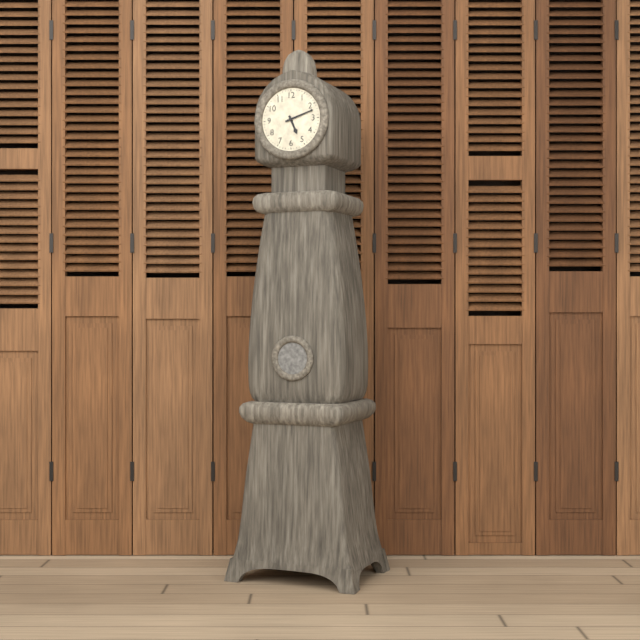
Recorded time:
5,12
